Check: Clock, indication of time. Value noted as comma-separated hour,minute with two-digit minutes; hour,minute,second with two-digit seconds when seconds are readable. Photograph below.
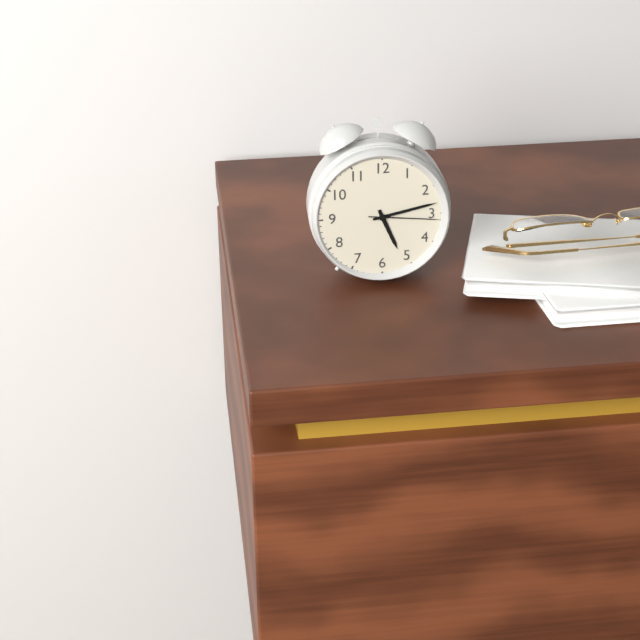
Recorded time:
5,13,16
